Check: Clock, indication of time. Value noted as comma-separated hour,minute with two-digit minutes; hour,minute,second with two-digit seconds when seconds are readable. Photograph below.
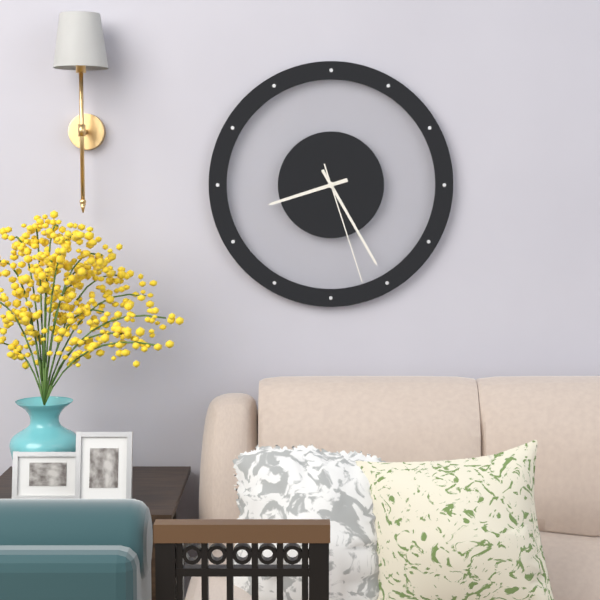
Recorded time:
8,25,27
